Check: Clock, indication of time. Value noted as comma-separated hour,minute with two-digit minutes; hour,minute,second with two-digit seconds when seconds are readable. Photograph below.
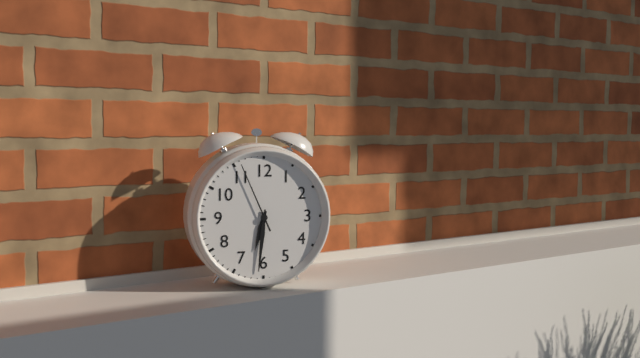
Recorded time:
6,31,56
